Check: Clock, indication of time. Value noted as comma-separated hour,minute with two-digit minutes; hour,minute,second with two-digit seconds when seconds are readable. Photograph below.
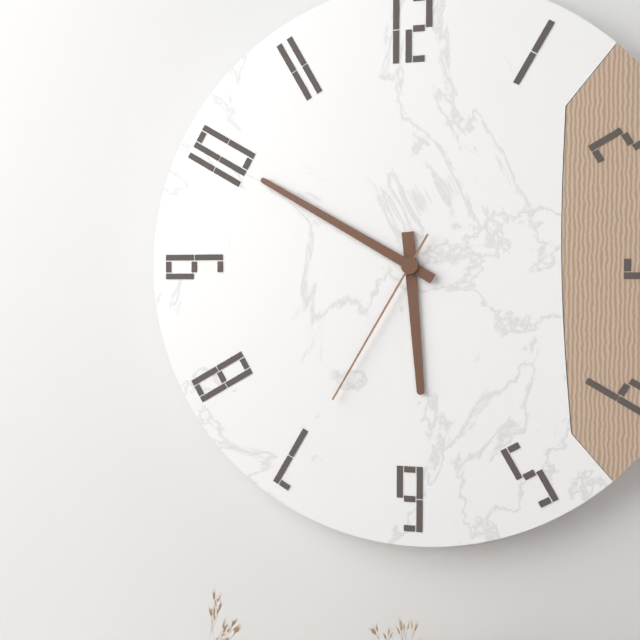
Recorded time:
5,50,35
